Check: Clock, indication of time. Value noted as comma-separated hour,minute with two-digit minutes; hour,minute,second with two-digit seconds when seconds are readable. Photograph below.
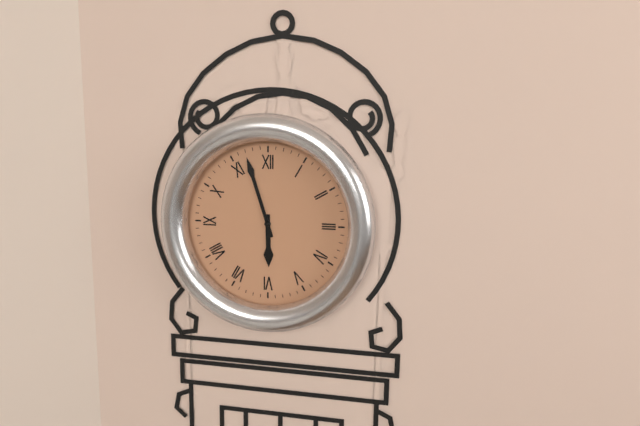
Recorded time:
5,57
